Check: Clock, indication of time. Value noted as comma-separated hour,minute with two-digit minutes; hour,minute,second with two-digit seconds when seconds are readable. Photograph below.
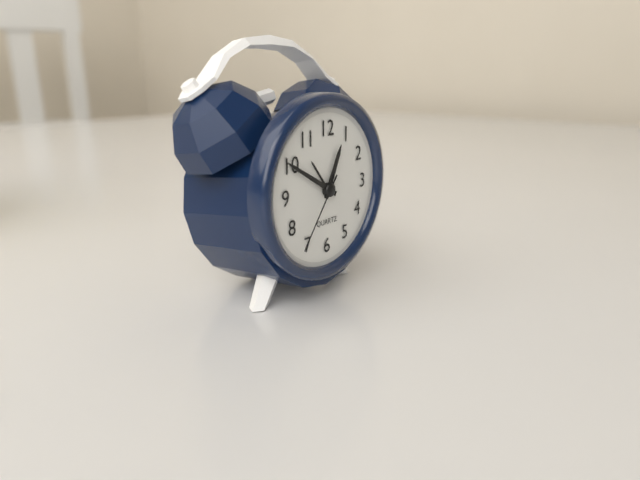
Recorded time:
12,50,36
